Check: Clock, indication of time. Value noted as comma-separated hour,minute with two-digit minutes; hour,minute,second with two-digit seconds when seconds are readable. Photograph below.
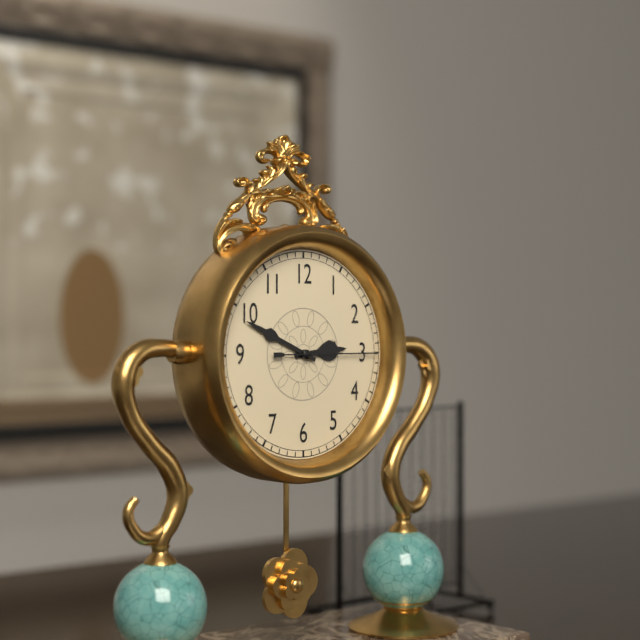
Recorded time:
2,49,15
